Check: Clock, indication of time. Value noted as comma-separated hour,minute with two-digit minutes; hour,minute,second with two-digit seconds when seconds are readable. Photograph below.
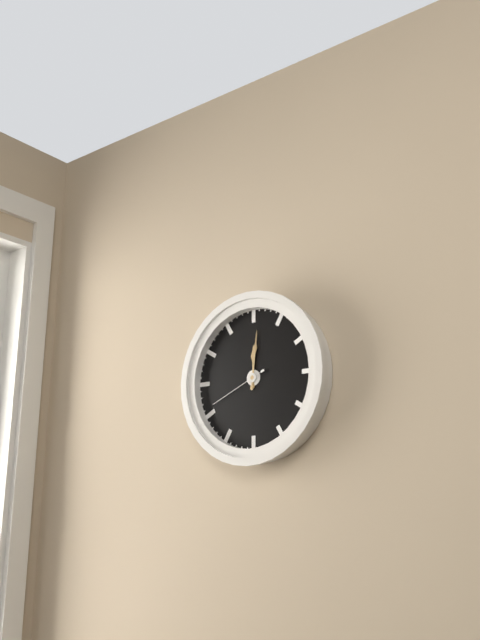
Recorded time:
12,01,41
